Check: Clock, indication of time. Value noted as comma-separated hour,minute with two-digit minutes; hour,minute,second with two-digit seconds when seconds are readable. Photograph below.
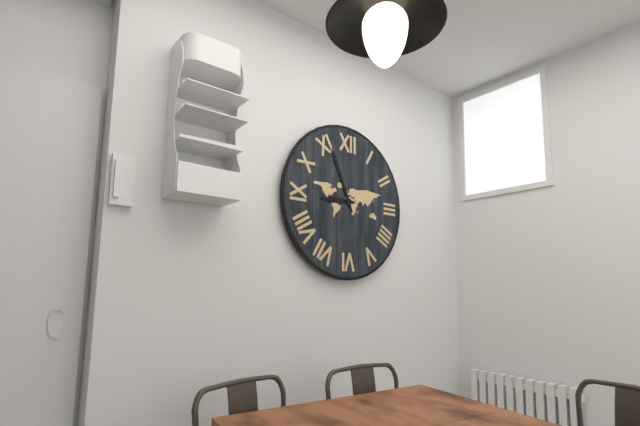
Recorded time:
8,56
